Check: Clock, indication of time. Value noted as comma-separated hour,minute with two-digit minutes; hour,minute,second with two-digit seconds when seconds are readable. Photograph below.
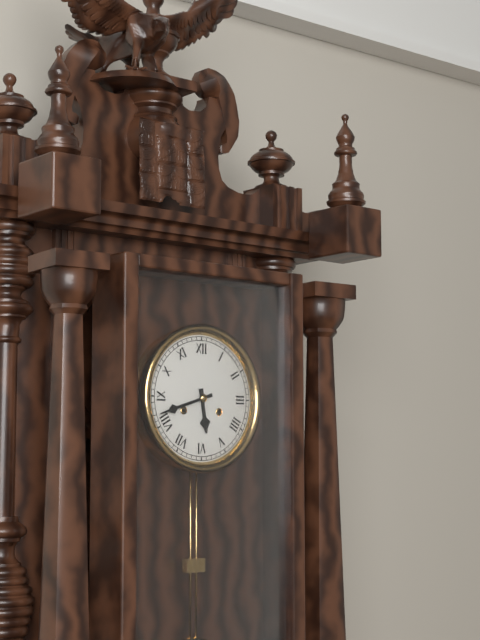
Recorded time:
5,42
